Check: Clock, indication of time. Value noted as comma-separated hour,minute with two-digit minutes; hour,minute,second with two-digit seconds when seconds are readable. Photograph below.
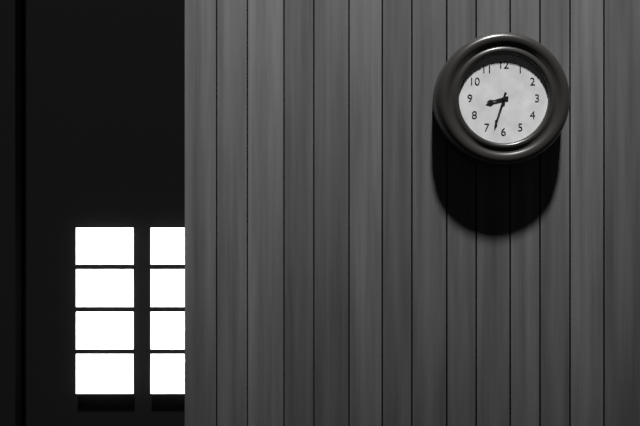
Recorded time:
8,33
